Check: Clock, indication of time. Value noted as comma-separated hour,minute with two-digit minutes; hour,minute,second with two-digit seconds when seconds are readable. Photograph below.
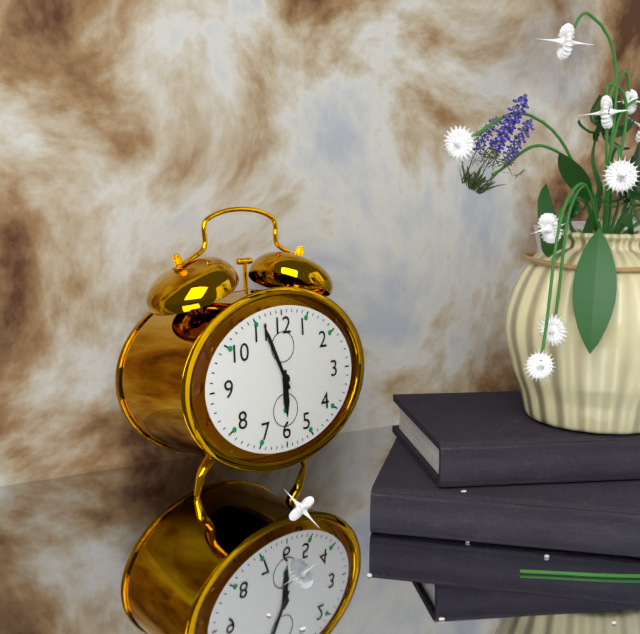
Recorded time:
5,56
